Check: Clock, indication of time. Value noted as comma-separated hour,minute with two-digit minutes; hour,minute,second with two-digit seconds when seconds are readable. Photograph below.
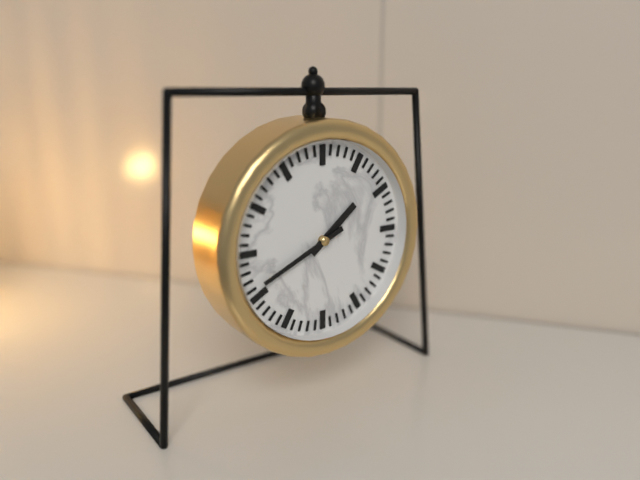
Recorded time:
1,41
